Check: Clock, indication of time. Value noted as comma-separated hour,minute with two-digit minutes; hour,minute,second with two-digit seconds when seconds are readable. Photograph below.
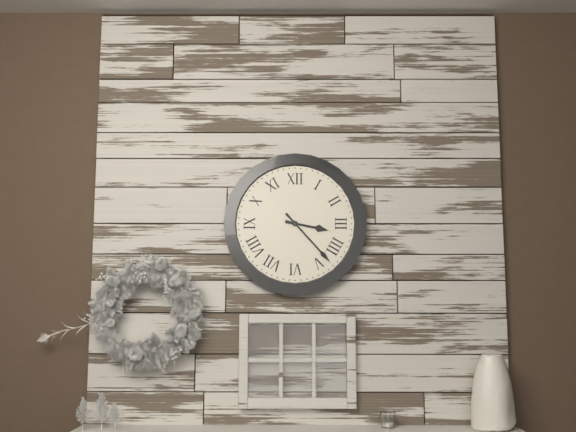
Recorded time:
3,23
